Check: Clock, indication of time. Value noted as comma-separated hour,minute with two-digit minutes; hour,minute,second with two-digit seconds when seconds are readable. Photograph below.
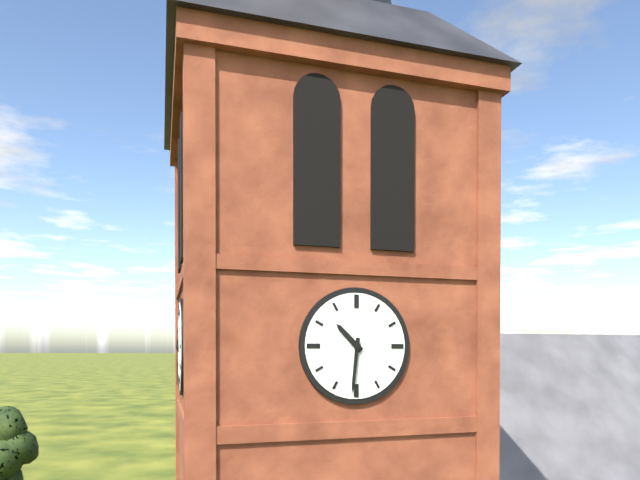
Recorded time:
10,31
